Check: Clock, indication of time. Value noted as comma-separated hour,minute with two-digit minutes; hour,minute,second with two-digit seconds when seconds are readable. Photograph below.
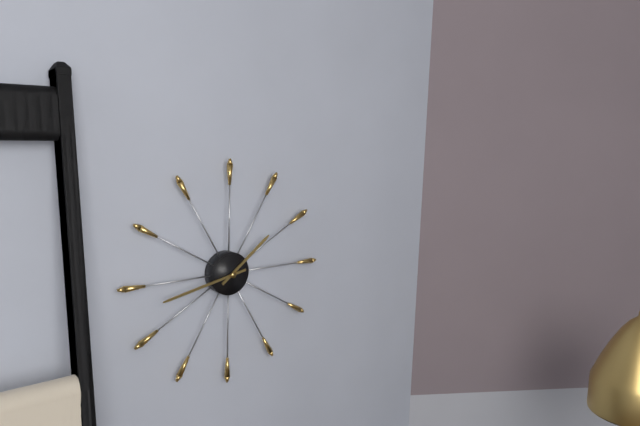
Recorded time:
1,43
